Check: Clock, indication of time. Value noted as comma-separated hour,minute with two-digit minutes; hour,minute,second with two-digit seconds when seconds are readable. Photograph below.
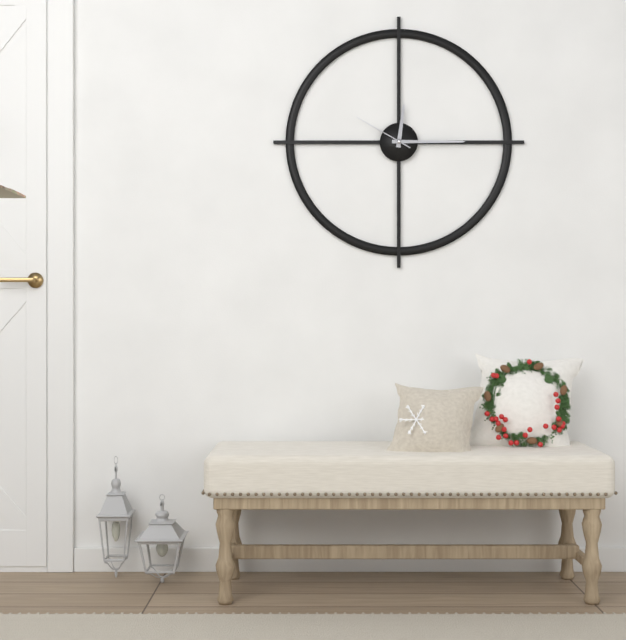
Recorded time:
12,15,50
